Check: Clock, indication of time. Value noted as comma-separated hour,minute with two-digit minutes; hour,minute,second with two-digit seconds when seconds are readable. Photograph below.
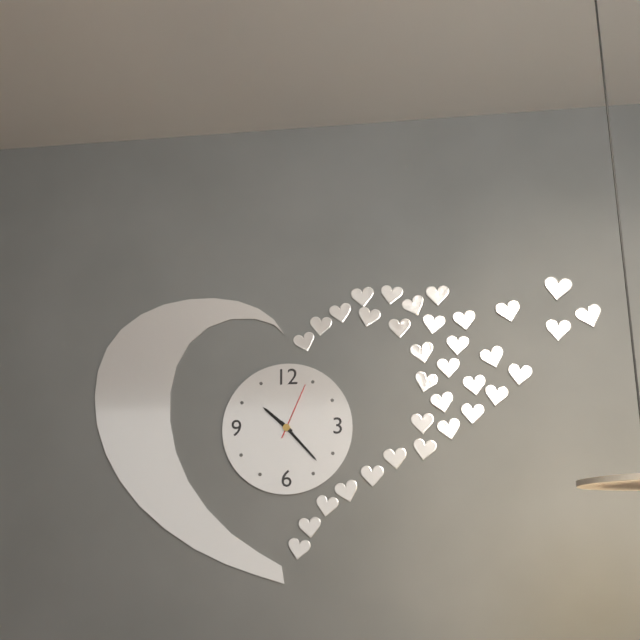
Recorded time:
10,23,04
